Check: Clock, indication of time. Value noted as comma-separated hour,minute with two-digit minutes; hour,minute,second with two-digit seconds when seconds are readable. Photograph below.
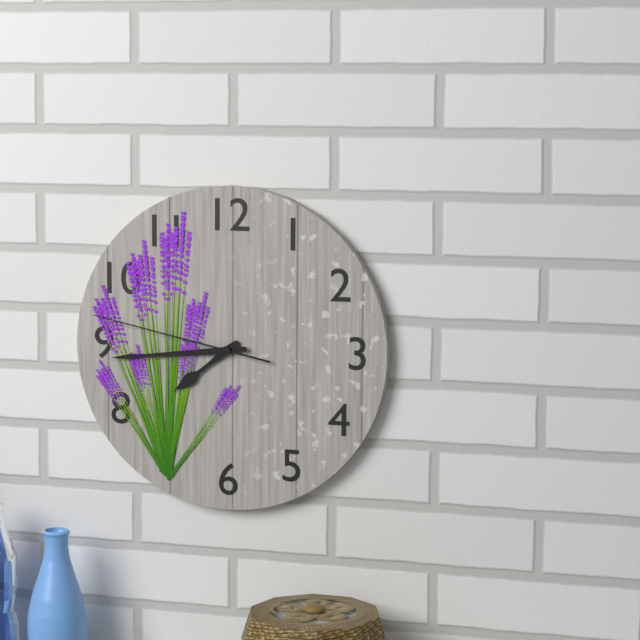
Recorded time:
7,44,47
